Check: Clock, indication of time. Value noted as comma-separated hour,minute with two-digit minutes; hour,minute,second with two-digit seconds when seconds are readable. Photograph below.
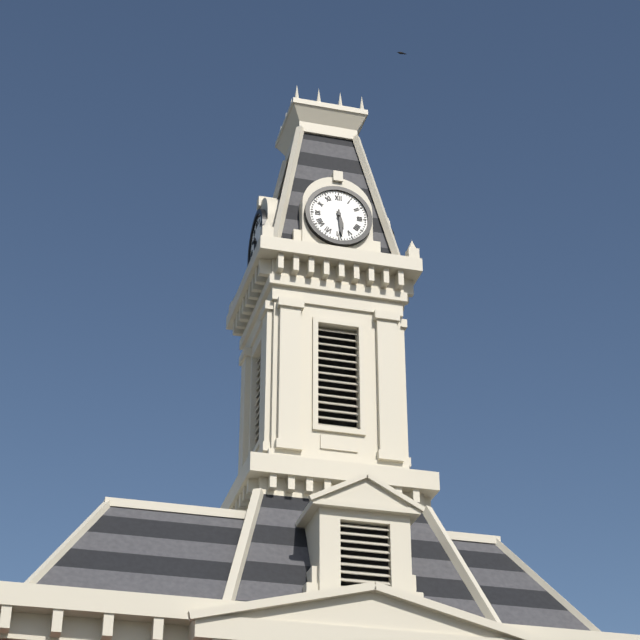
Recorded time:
5,29
